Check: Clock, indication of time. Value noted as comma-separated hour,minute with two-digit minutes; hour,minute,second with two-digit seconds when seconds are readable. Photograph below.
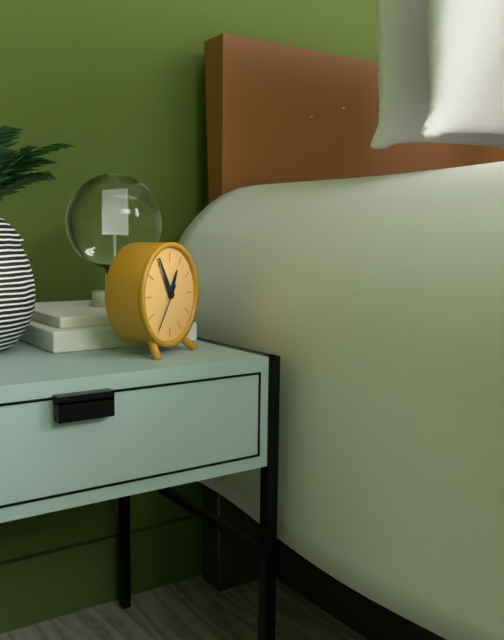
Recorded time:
12,55
